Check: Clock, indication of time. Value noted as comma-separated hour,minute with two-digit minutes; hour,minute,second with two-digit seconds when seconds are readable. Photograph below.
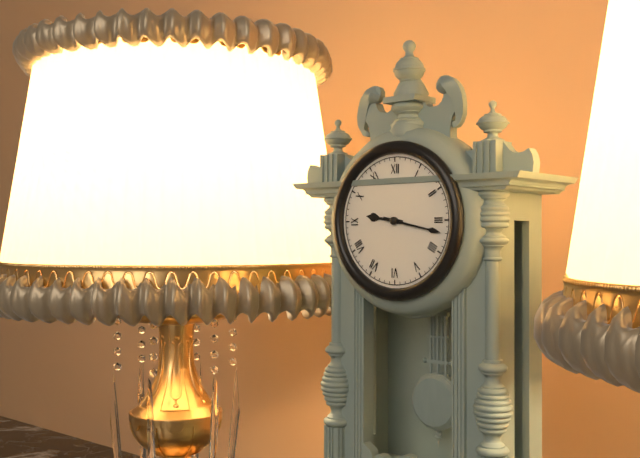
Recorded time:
9,17
